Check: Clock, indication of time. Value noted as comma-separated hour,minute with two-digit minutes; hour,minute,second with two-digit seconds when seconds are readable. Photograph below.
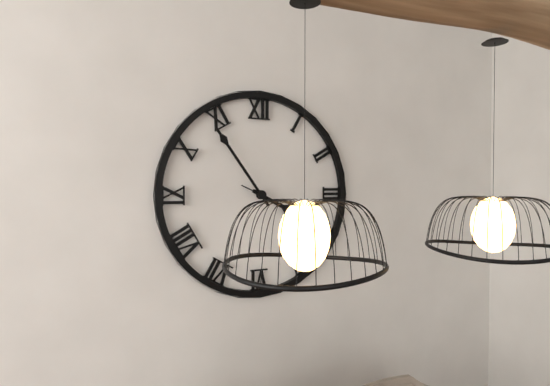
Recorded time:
3,54
